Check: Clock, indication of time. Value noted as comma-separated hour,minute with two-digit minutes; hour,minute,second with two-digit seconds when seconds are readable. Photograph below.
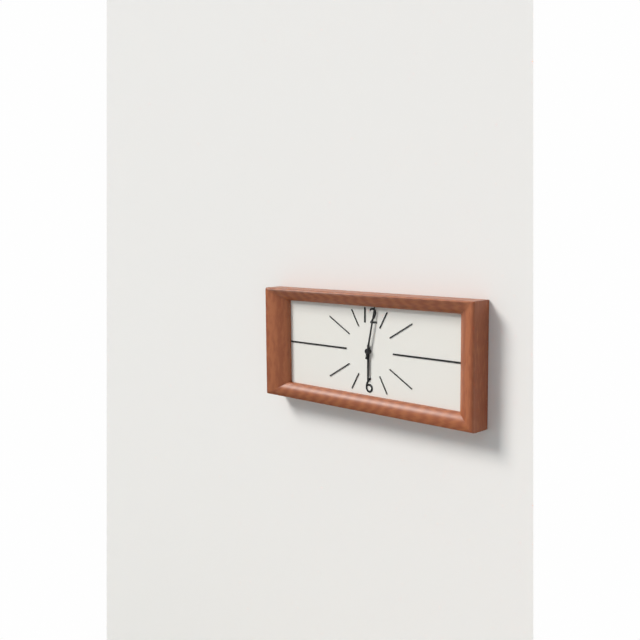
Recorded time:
6,02
